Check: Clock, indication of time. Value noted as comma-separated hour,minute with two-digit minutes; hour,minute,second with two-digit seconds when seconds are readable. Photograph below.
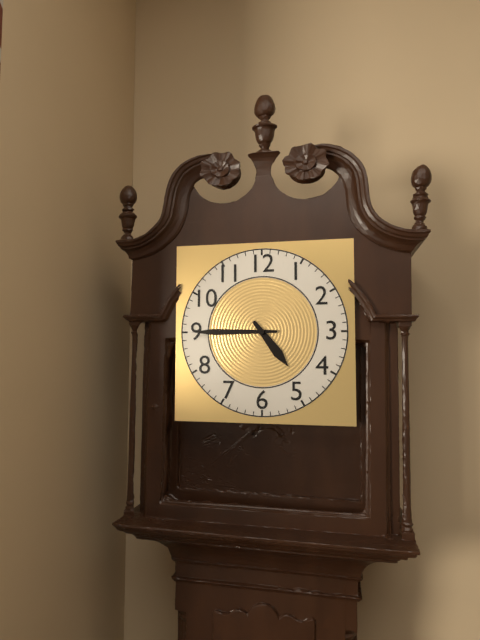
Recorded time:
4,45
